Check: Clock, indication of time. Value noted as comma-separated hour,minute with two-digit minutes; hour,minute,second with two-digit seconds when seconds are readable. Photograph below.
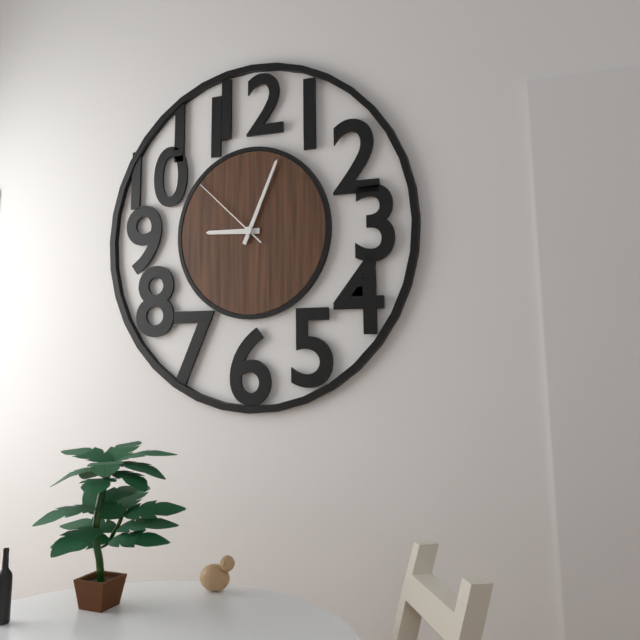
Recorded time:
9,04,52
